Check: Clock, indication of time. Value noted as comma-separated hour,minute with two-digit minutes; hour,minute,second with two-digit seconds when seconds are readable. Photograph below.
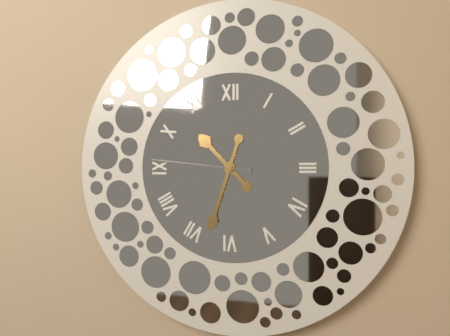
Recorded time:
10,33,46
